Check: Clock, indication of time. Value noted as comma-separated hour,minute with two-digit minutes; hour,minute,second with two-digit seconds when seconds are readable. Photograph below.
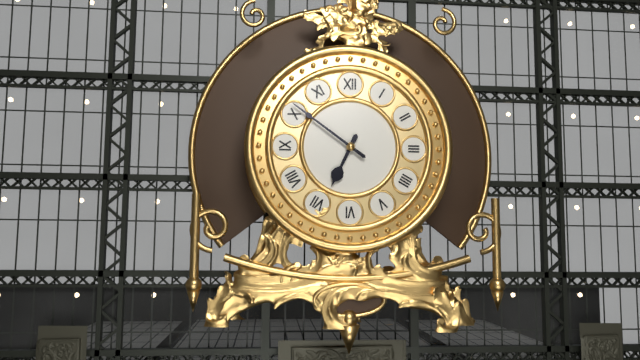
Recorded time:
6,51
